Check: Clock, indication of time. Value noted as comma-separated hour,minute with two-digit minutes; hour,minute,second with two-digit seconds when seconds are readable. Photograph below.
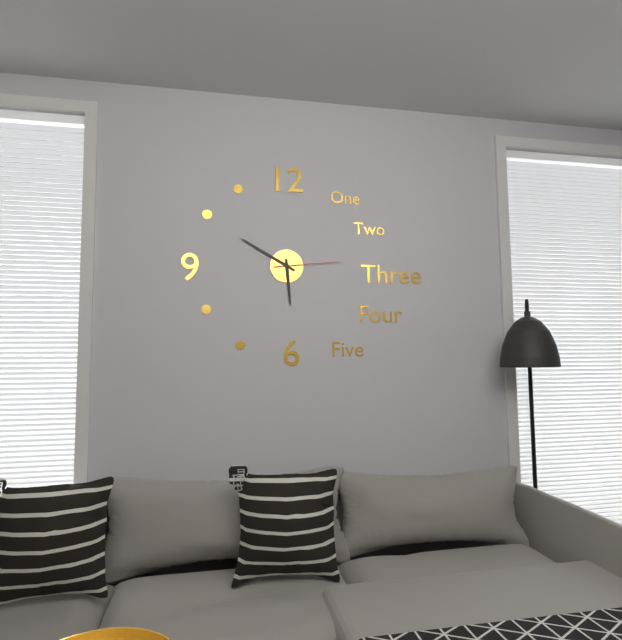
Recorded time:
5,50,14
